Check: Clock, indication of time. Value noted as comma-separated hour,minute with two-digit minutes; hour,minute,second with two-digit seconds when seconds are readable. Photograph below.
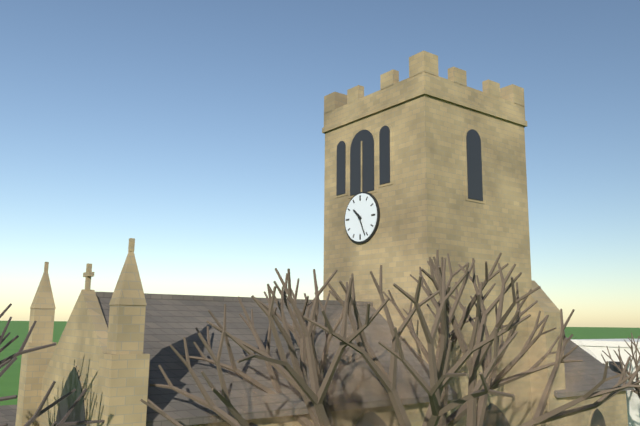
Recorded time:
10,26
